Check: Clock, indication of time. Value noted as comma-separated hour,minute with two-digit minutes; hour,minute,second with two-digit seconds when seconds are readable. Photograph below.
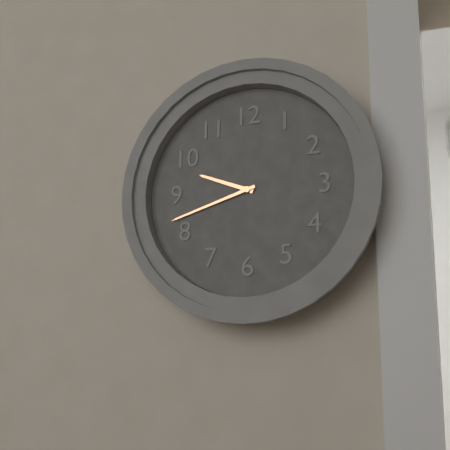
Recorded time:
9,42
